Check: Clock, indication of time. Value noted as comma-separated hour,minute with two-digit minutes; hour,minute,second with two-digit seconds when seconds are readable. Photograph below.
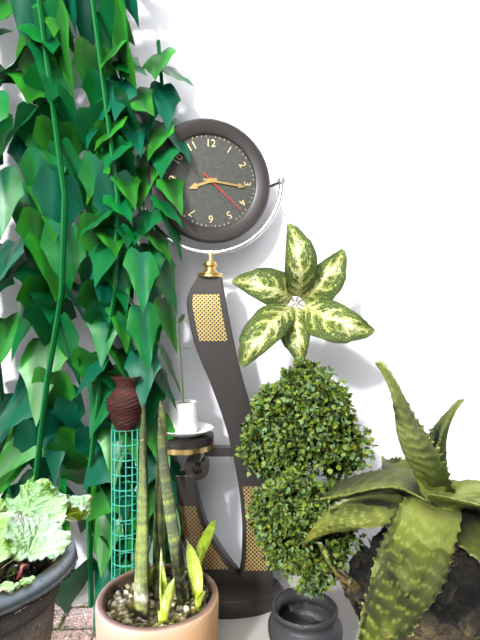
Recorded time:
8,16,22
